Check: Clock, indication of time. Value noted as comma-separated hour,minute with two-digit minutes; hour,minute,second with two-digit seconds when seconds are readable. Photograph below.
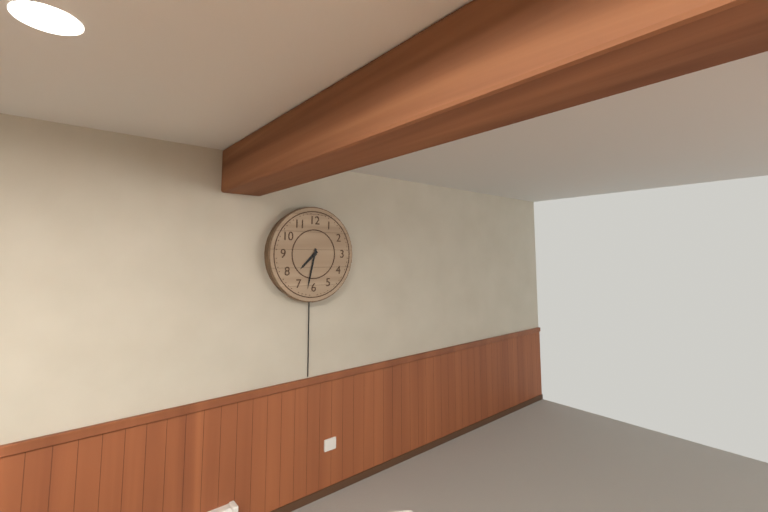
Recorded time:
7,32
